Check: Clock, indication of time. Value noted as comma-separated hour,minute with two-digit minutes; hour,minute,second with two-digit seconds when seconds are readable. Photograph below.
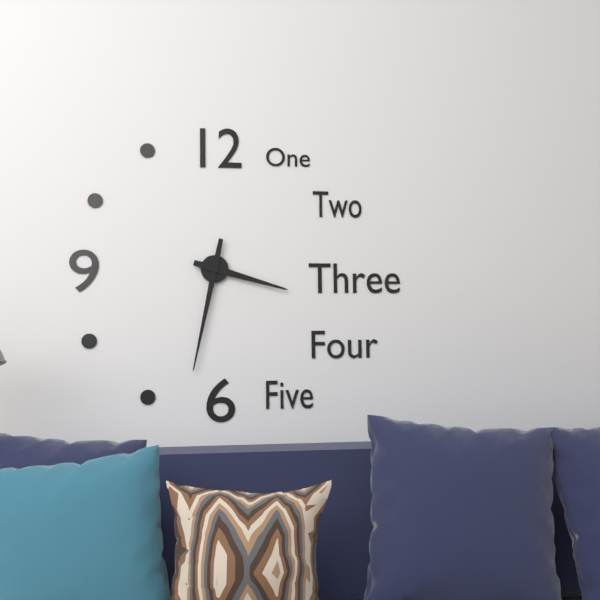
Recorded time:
3,32
